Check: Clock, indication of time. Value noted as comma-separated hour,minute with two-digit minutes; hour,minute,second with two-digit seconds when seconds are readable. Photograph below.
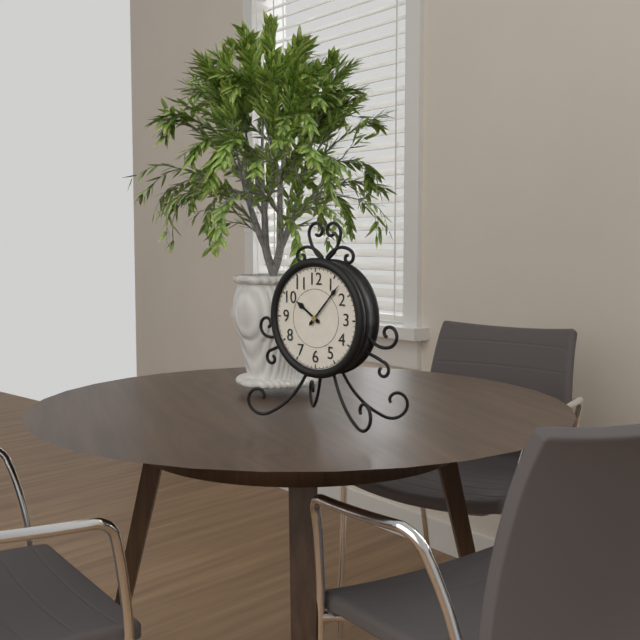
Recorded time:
10,07
